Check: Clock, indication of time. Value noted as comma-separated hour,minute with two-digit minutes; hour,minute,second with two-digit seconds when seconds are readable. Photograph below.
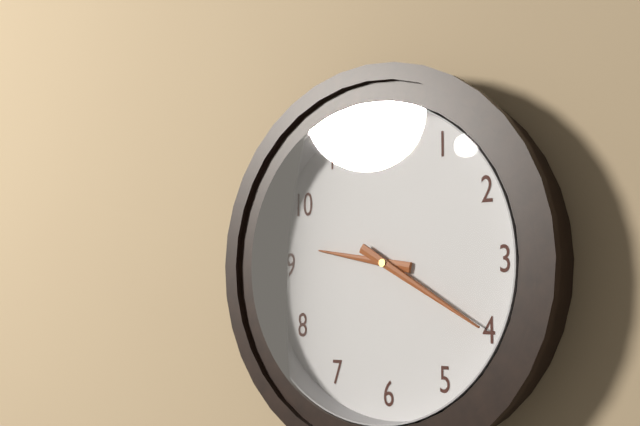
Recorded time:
9,20
